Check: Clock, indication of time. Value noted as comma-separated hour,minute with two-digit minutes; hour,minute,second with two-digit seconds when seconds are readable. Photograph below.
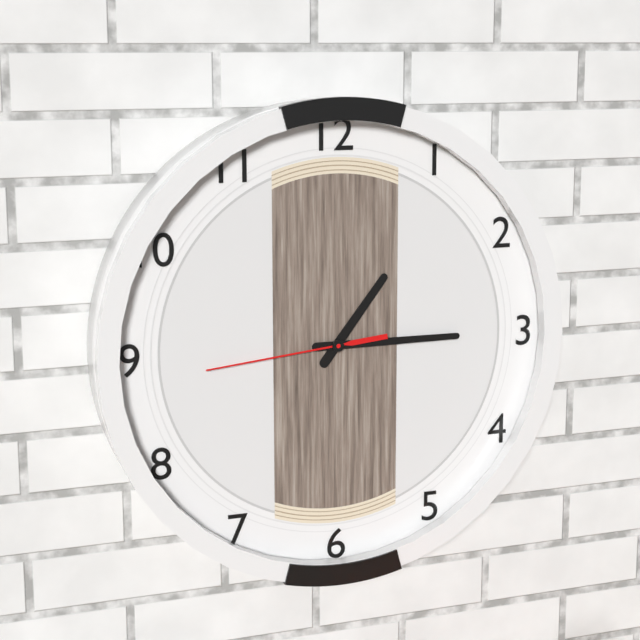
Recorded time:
1,15,44
